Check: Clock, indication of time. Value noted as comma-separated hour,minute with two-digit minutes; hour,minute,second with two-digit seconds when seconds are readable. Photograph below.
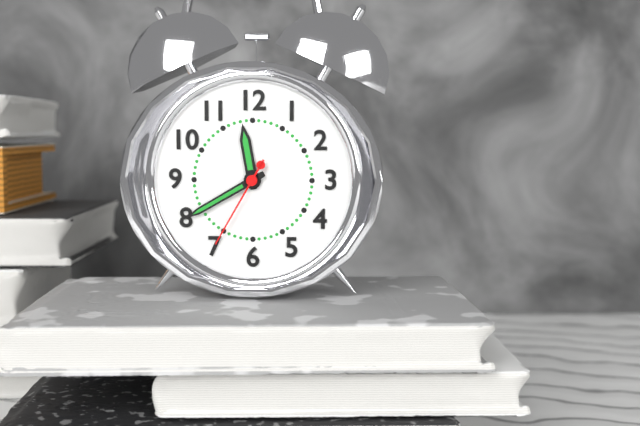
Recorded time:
11,40,35
